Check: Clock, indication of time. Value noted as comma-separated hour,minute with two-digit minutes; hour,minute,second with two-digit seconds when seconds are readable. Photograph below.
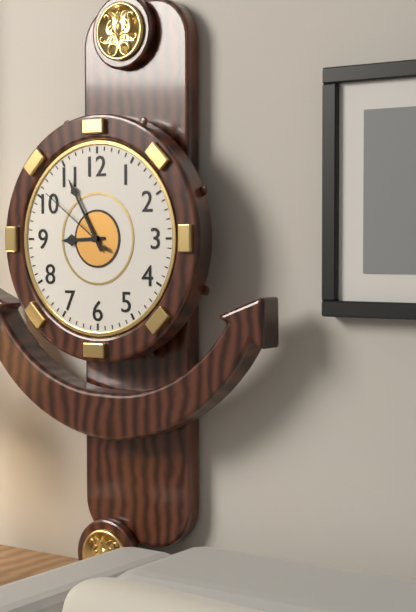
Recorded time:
8,55,51
